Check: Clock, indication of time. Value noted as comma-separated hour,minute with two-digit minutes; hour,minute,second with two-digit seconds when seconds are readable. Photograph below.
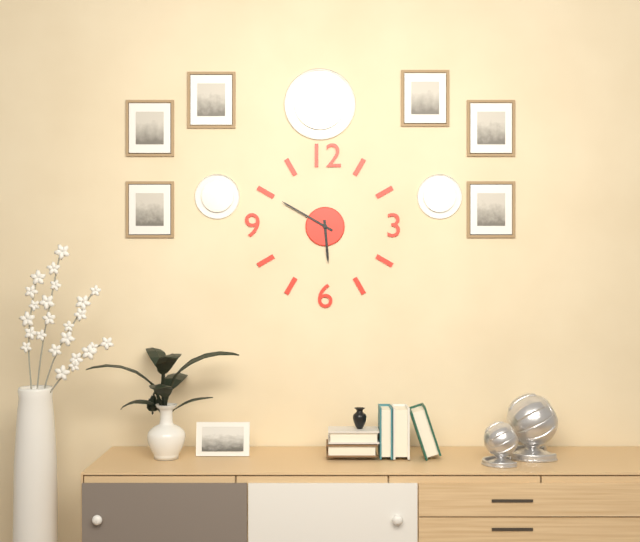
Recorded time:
5,50
